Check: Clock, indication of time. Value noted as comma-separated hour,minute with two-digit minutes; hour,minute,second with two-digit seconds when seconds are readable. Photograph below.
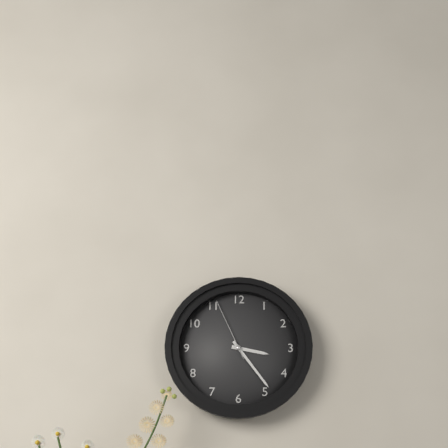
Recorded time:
3,24,56
